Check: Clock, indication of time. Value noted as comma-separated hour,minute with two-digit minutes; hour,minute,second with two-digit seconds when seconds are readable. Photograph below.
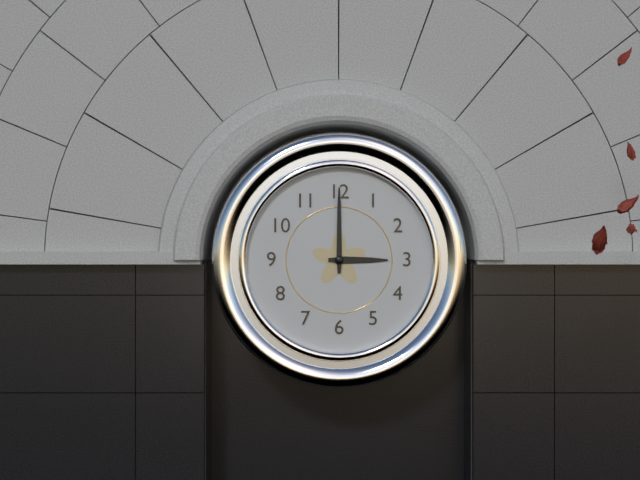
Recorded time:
3,00
